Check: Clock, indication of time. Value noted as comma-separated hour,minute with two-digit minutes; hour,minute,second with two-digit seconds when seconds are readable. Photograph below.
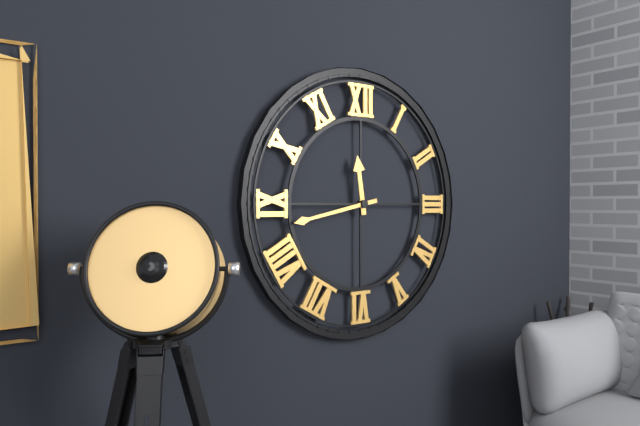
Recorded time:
11,43
